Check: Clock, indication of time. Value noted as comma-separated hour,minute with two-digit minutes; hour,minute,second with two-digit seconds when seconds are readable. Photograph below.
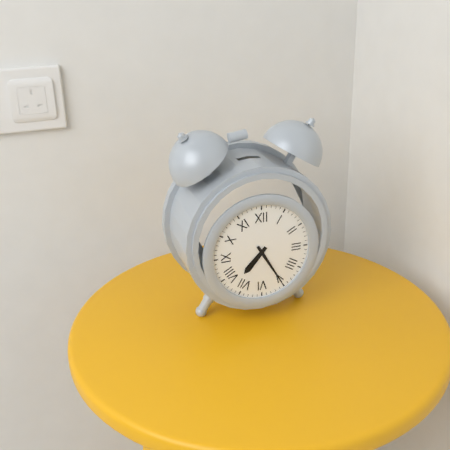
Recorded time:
7,25
